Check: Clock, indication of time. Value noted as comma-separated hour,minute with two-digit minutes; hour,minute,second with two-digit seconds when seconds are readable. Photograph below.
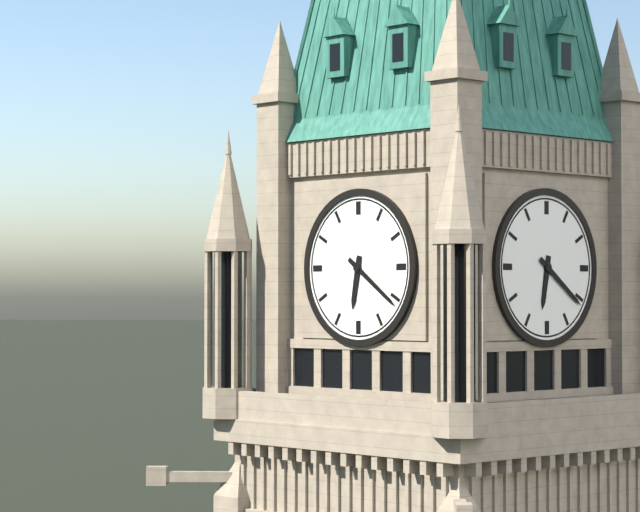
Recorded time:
6,21
